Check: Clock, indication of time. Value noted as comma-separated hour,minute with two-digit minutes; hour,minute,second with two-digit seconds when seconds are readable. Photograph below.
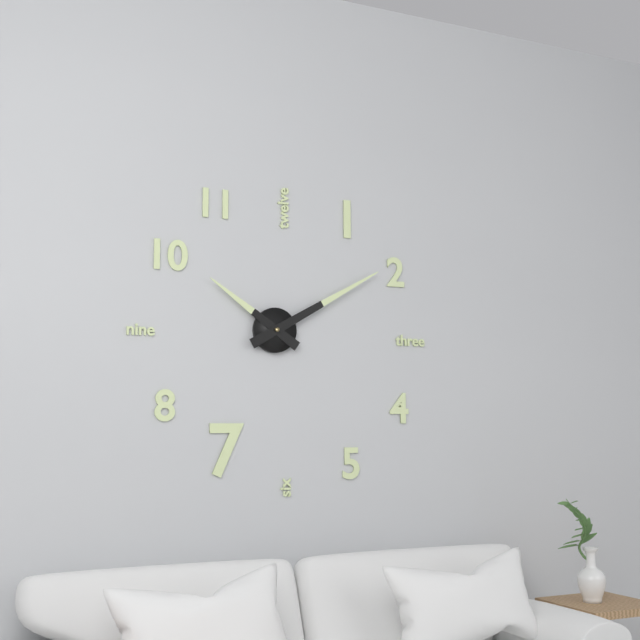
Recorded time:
10,10
